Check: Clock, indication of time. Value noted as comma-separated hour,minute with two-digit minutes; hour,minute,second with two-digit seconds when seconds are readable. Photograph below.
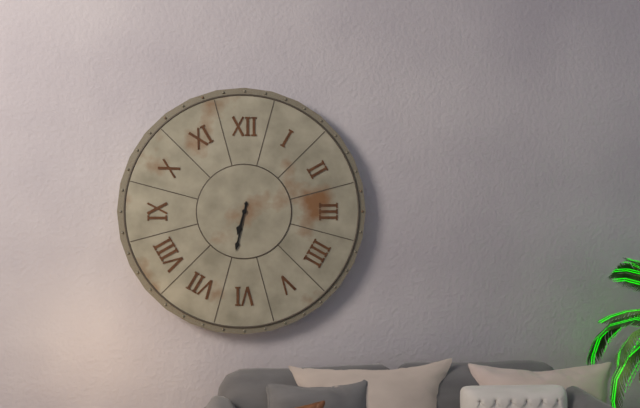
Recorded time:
6,32
